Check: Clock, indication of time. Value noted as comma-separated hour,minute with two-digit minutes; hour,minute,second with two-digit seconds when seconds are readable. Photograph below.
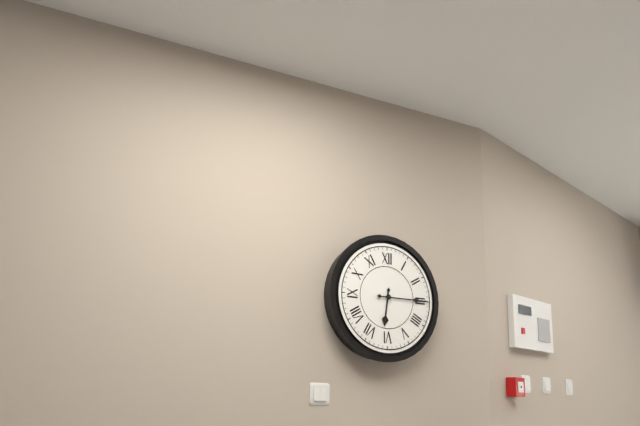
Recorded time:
6,15
